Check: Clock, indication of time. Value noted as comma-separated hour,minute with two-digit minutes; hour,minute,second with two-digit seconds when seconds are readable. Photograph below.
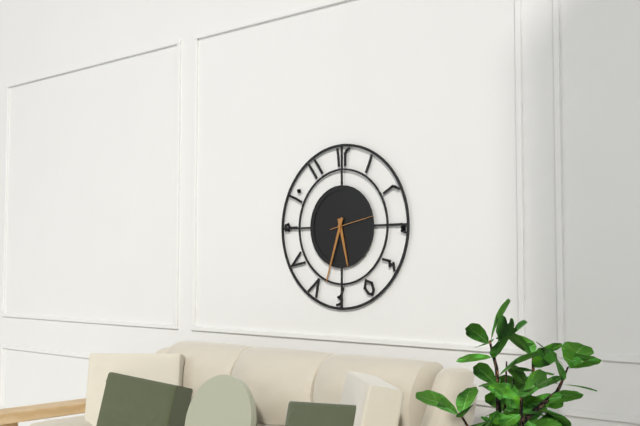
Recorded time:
5,33
